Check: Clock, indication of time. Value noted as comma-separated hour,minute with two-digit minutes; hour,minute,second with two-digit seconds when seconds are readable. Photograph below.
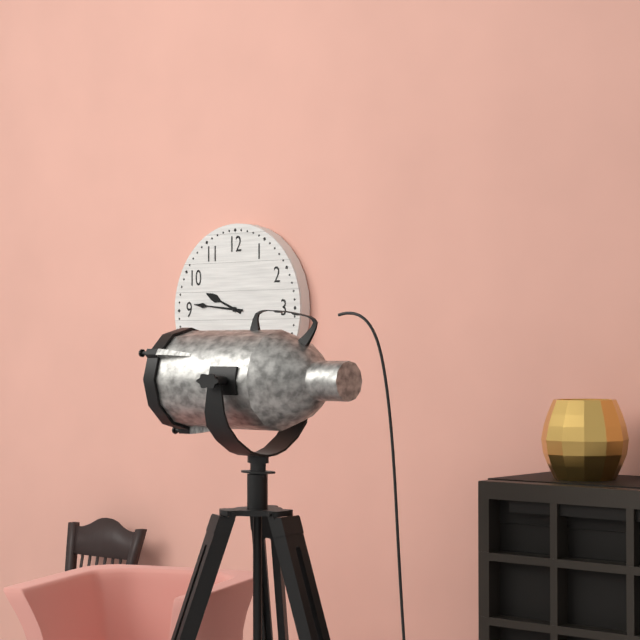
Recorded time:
9,46
